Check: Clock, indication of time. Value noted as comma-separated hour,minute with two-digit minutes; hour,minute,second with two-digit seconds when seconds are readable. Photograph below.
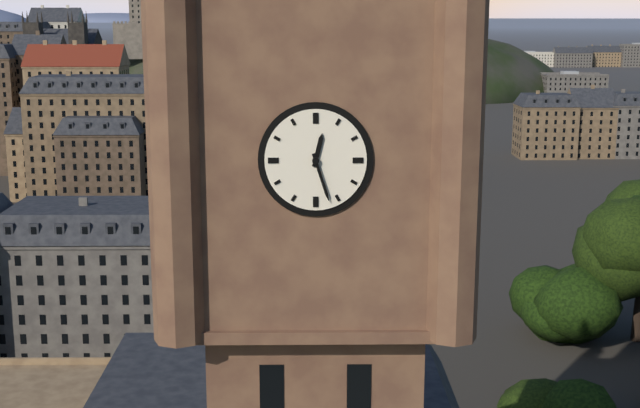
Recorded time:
12,27
